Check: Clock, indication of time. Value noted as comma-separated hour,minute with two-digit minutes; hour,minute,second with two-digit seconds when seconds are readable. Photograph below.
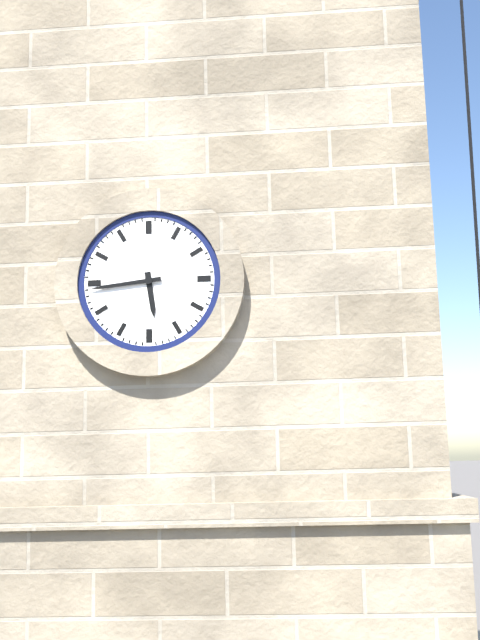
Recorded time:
5,44
